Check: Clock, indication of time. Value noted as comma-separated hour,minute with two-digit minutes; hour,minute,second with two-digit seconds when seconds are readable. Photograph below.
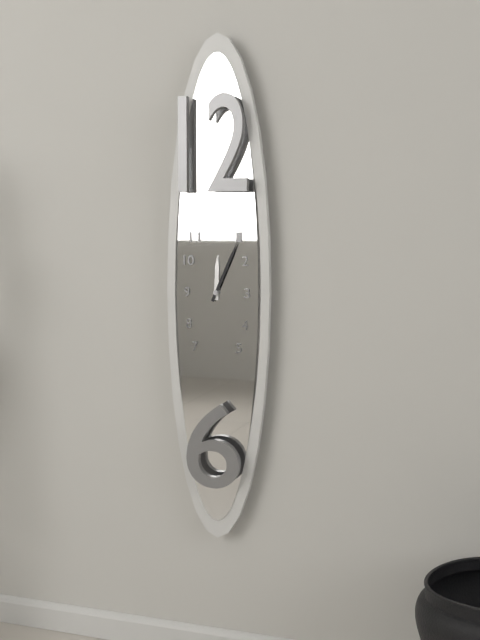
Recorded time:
12,04
